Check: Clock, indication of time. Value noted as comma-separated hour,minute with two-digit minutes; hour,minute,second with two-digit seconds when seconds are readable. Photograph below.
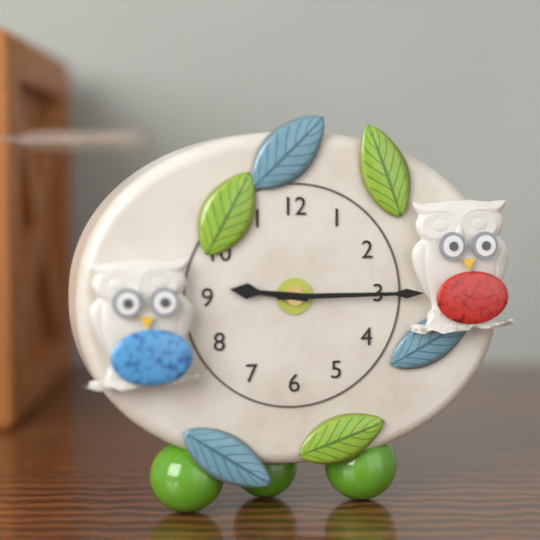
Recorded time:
9,15
